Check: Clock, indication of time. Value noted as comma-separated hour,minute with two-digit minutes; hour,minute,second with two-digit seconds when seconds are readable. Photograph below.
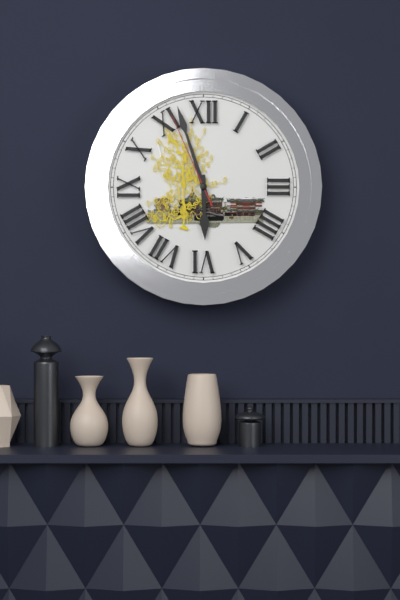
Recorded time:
5,57,56
